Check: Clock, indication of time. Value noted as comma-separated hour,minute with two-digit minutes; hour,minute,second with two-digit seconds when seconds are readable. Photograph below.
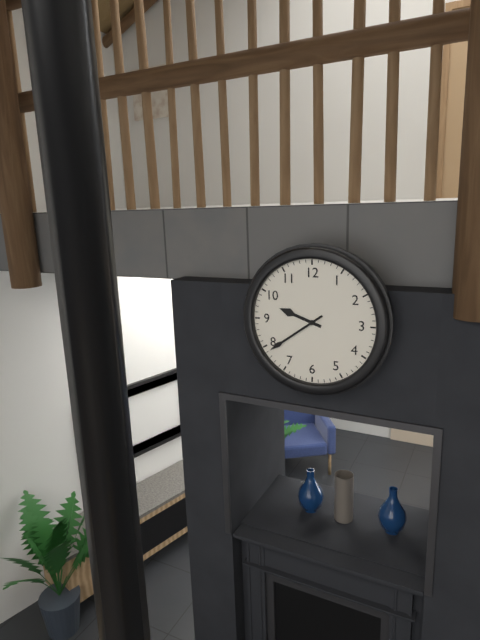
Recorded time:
9,39
